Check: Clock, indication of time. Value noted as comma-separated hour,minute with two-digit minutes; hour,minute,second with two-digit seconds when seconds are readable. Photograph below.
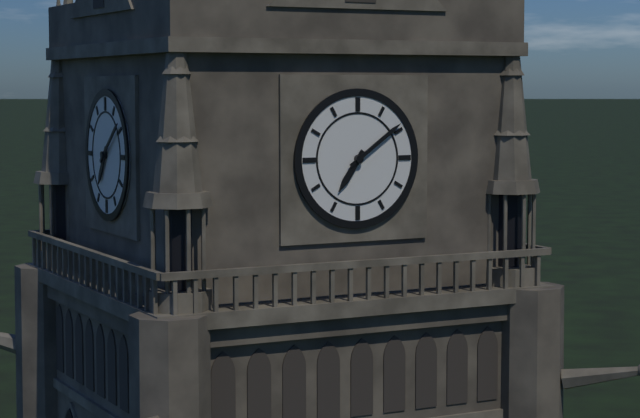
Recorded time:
7,09
